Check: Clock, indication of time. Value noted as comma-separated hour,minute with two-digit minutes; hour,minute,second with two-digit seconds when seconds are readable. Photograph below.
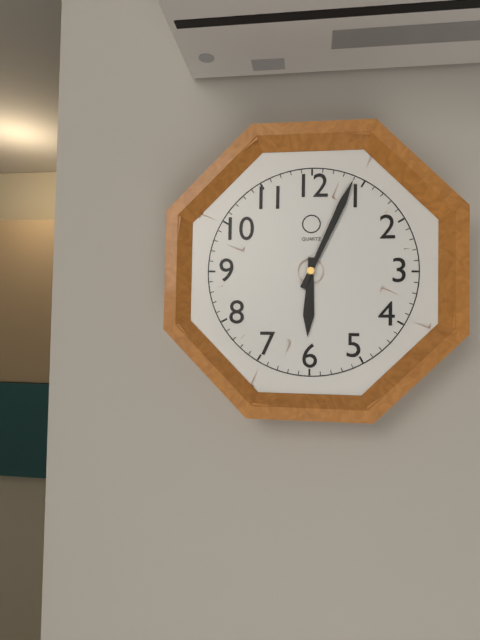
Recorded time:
6,04
